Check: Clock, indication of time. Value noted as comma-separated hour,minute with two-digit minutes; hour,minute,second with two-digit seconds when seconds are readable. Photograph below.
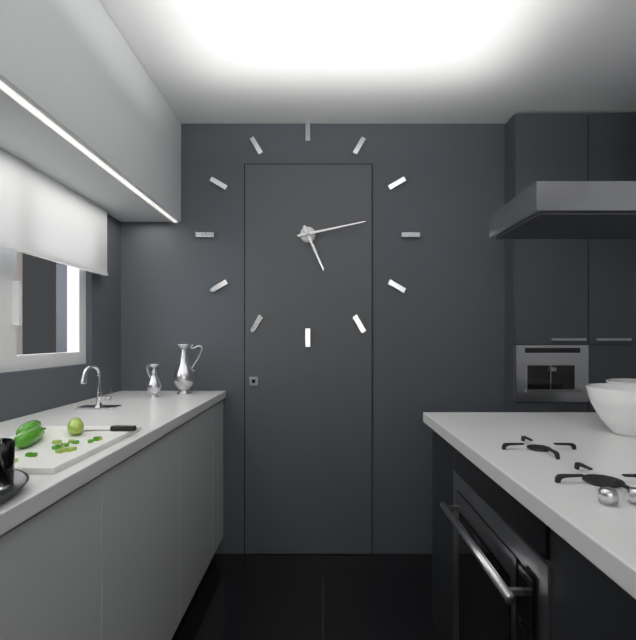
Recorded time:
5,13
